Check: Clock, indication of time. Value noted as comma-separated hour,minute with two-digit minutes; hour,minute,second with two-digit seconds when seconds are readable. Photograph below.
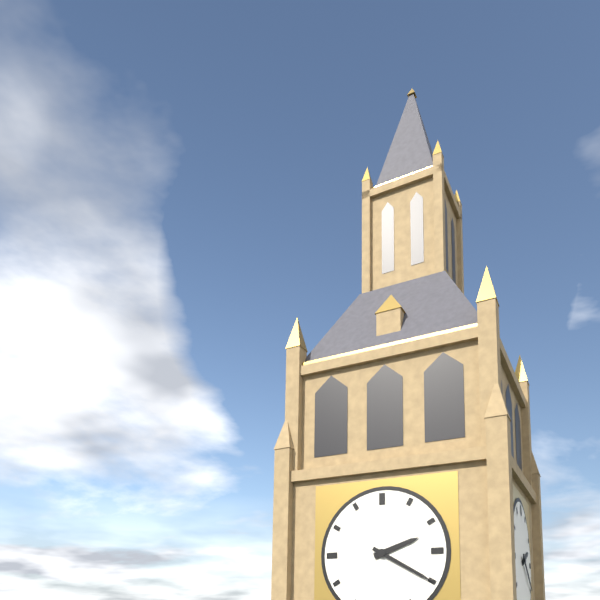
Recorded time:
2,20
